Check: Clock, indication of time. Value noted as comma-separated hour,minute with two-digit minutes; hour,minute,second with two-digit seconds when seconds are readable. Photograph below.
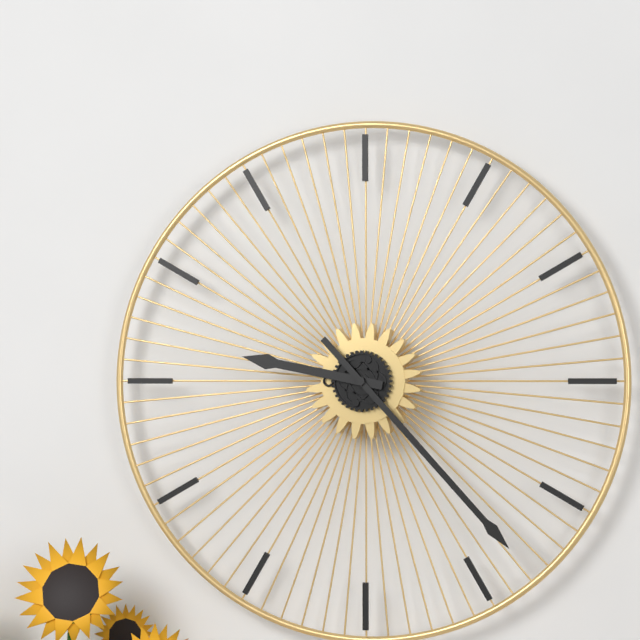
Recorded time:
9,23
